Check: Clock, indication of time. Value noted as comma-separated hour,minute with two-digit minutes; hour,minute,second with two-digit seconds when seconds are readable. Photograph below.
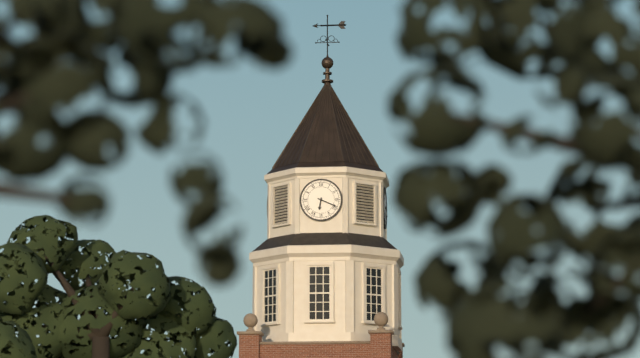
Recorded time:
6,19
